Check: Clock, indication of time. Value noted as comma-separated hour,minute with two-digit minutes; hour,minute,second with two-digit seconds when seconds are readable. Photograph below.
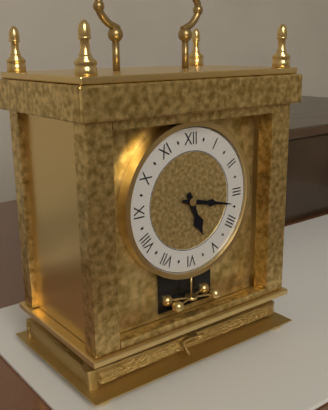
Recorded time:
5,17
